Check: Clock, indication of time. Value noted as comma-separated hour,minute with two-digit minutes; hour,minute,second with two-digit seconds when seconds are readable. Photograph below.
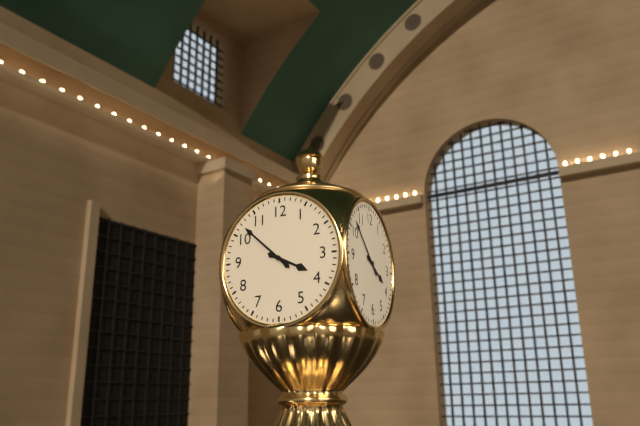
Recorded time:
3,52
